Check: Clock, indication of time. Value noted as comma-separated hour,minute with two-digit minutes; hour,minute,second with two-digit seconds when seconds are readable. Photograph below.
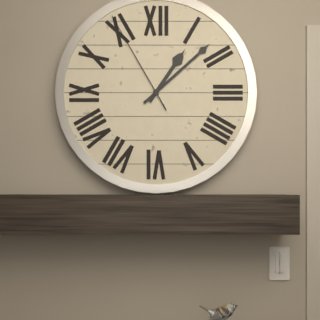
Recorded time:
1,08,55
